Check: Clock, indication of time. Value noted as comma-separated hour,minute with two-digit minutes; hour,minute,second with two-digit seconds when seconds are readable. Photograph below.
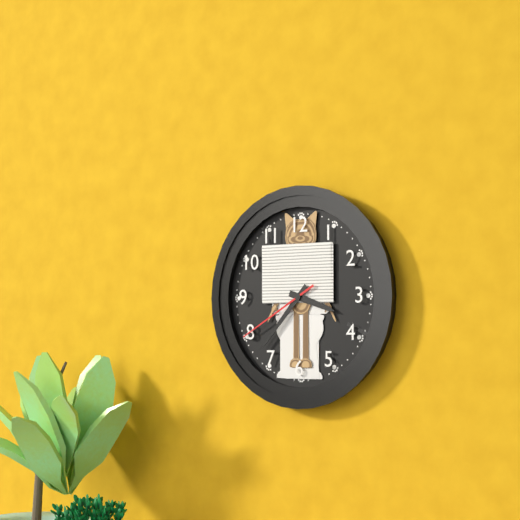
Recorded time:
3,37,40
